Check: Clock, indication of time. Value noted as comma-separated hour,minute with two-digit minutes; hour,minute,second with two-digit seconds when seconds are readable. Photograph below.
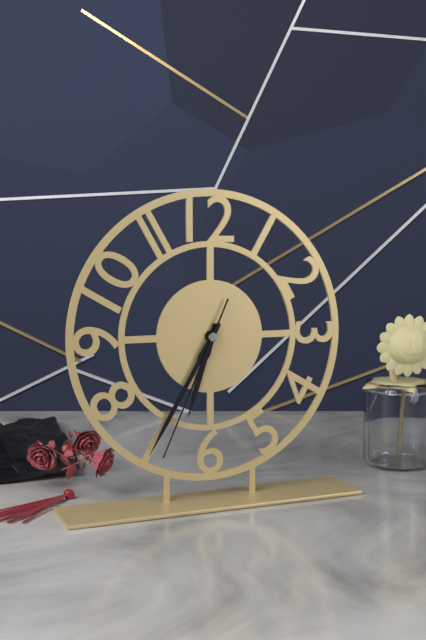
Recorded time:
6,35,34
